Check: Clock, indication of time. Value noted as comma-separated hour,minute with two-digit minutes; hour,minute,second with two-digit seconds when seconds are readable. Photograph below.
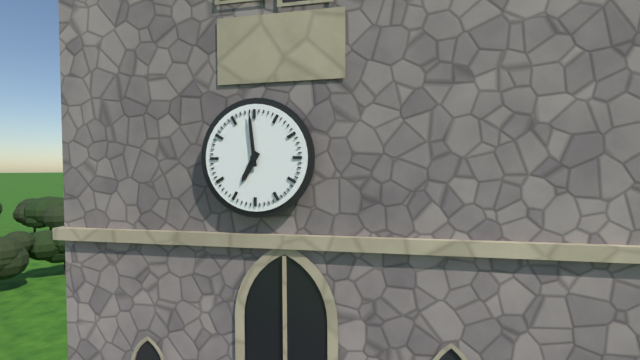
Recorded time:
6,59
